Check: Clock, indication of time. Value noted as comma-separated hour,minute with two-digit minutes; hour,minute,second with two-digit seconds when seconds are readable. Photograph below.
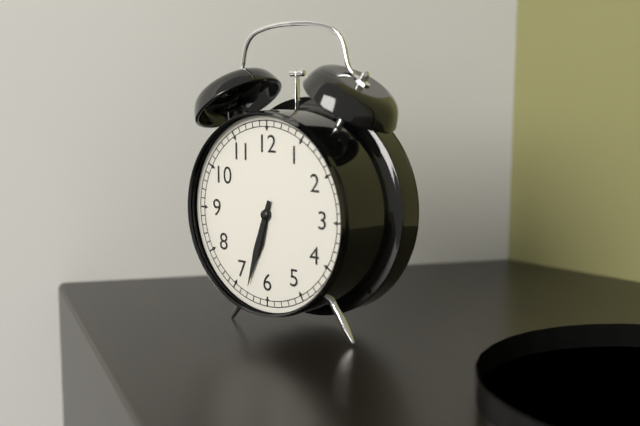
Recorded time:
6,33
